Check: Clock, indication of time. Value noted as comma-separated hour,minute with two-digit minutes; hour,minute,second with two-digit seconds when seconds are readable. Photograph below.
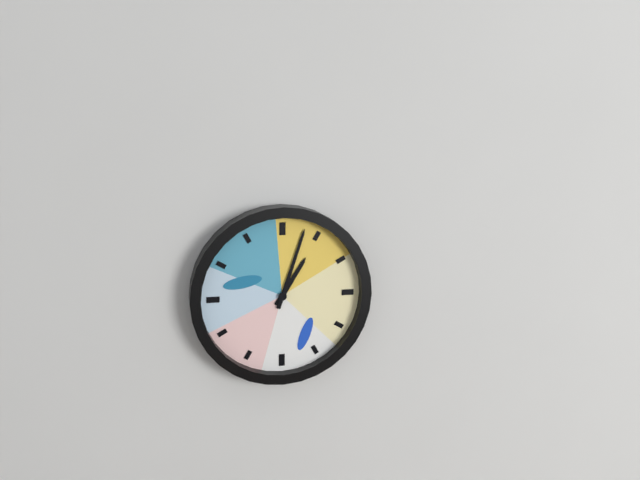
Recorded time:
1,03
